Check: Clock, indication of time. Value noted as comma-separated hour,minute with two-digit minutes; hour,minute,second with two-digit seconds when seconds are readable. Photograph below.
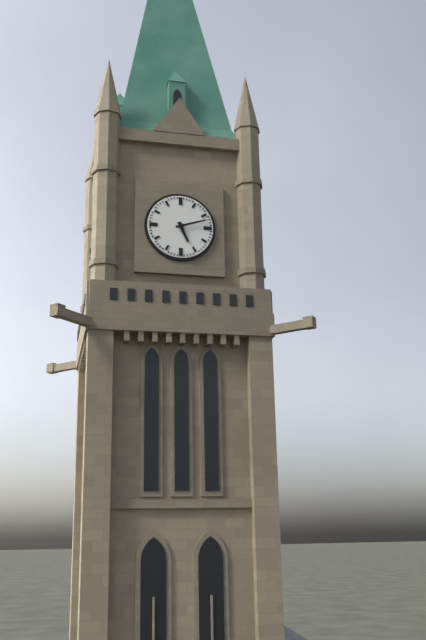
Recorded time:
5,12
